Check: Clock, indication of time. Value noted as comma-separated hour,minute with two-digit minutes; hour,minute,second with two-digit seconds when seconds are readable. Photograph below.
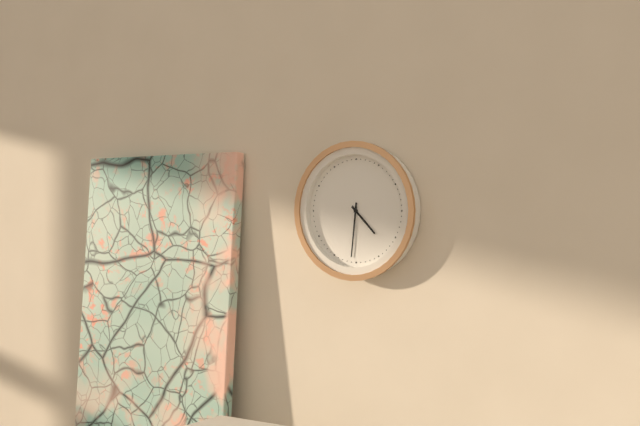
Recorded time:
4,31
